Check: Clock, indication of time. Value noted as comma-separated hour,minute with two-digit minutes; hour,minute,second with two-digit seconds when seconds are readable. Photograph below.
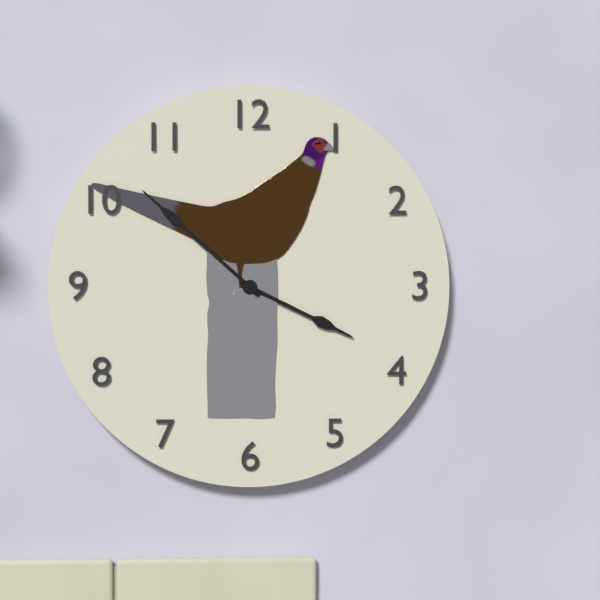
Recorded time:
3,52
